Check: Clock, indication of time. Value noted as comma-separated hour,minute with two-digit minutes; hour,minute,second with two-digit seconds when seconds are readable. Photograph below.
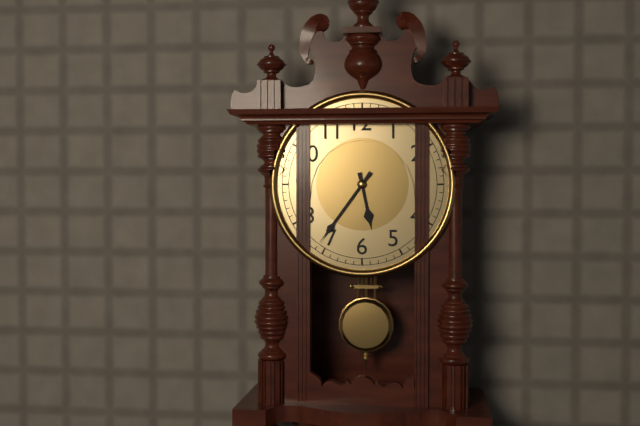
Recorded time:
5,36
